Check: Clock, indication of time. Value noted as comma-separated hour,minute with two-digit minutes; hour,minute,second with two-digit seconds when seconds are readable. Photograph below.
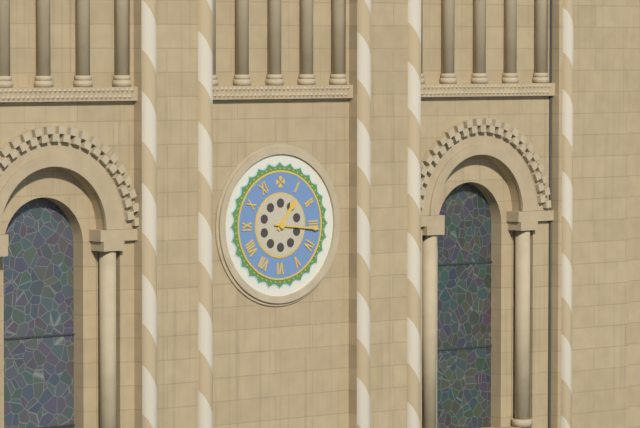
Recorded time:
1,16
